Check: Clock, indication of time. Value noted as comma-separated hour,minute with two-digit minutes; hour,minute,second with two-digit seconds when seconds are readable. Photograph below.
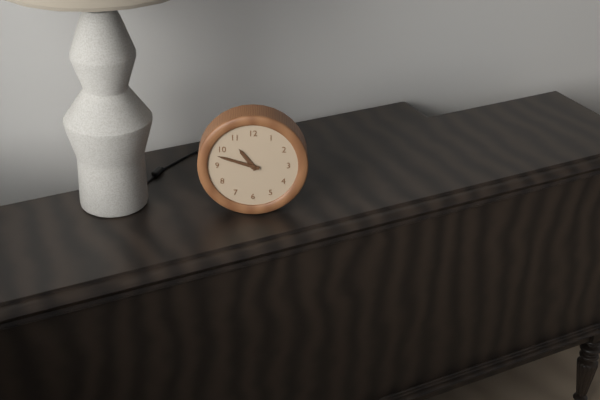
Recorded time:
10,48
